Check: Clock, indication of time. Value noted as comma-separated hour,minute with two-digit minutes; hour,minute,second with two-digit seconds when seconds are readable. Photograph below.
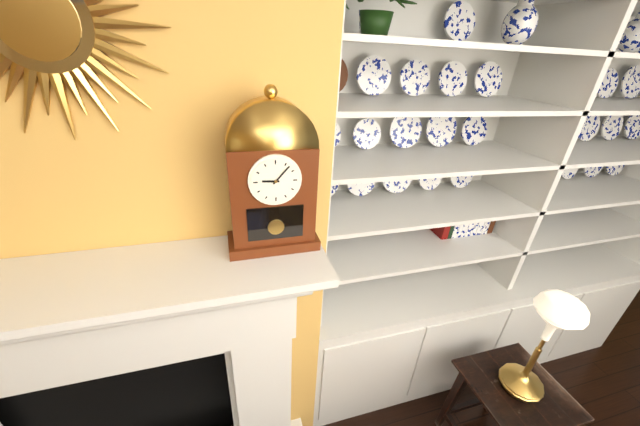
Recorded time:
9,07
